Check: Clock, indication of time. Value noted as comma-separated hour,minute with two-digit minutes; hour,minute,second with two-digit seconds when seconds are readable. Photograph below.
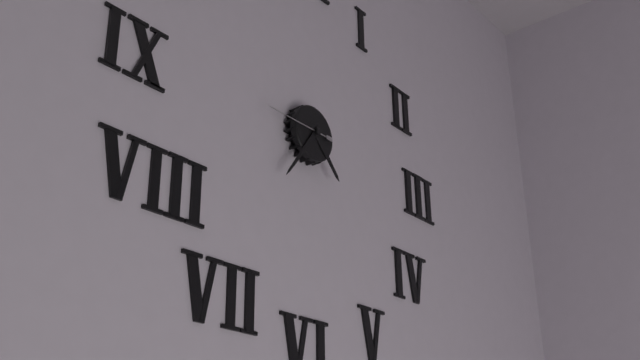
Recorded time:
4,36,45
